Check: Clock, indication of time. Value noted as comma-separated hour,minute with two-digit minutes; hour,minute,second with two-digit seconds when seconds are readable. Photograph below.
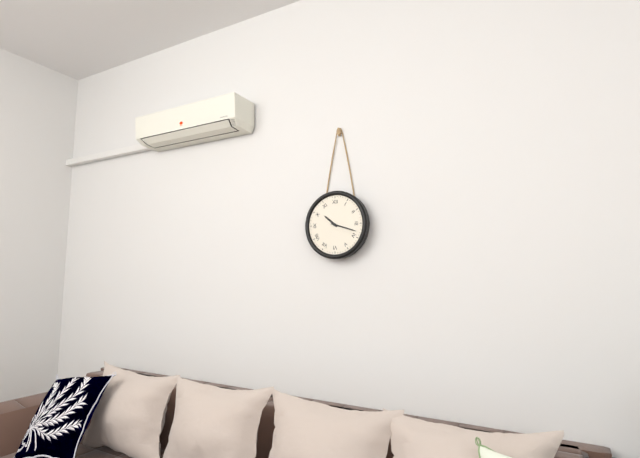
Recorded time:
10,18
